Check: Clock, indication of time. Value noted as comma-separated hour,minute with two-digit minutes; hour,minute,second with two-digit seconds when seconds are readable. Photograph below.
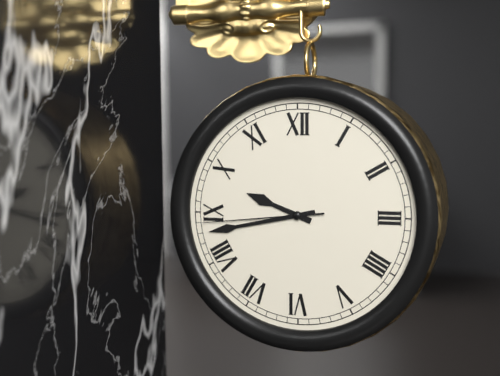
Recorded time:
9,43,44
